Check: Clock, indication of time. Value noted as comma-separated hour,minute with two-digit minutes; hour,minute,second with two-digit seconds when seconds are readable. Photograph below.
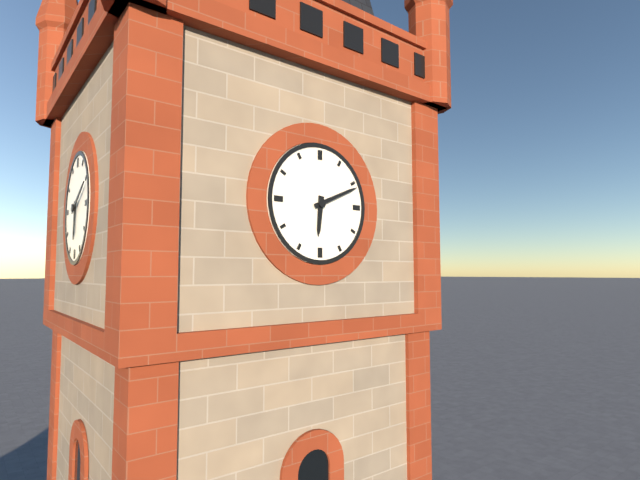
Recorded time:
6,11
